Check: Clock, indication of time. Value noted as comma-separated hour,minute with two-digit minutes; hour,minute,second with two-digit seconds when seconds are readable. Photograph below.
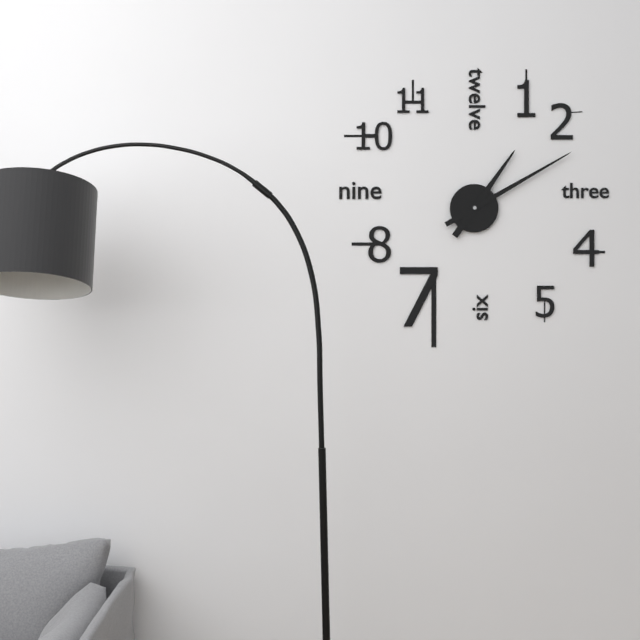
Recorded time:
1,10
